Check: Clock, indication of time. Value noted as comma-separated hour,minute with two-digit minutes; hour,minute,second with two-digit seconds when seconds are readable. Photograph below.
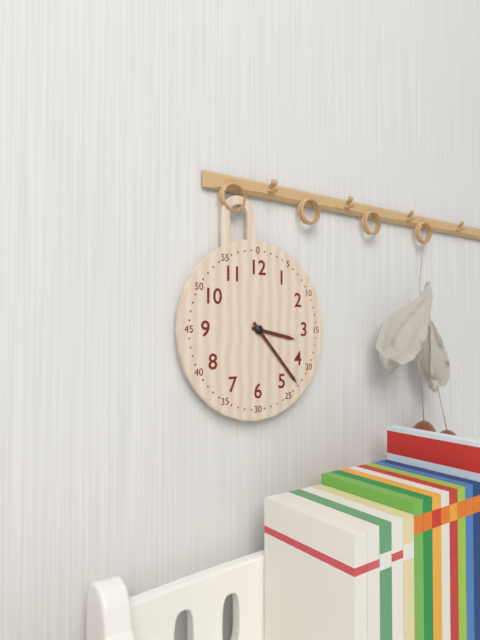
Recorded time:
3,23
